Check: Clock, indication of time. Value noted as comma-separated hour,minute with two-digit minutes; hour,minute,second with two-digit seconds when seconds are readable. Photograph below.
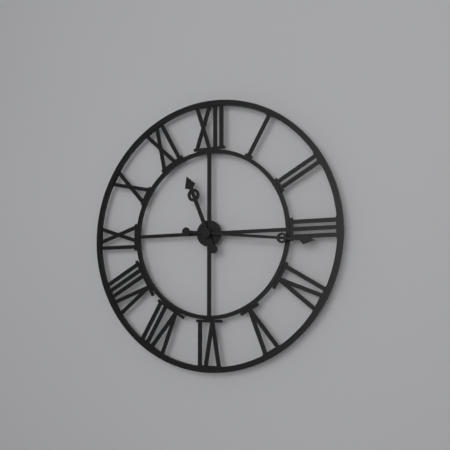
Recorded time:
11,16
